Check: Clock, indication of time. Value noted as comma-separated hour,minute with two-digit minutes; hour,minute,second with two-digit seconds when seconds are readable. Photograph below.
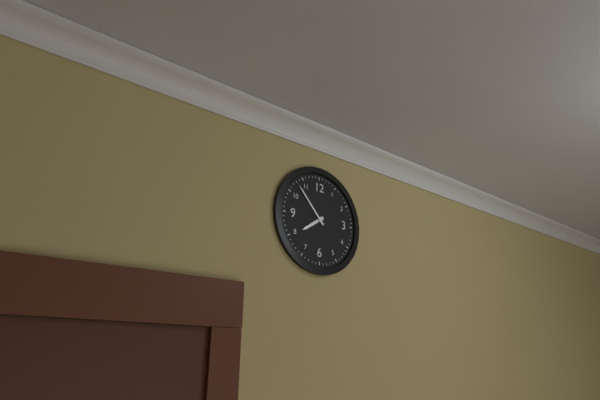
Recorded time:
7,53
